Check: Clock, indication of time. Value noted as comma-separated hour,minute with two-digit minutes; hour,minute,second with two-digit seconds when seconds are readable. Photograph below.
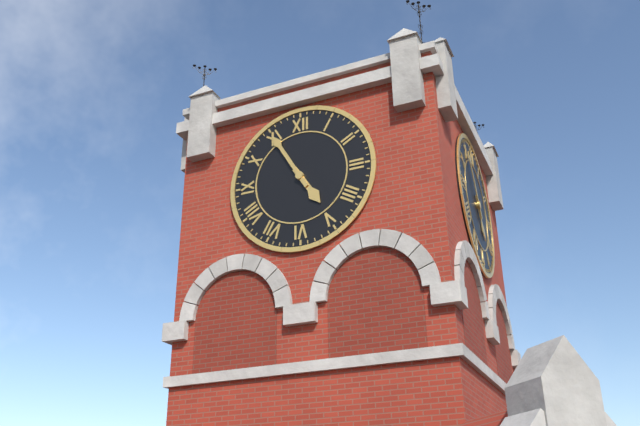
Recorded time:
4,55
